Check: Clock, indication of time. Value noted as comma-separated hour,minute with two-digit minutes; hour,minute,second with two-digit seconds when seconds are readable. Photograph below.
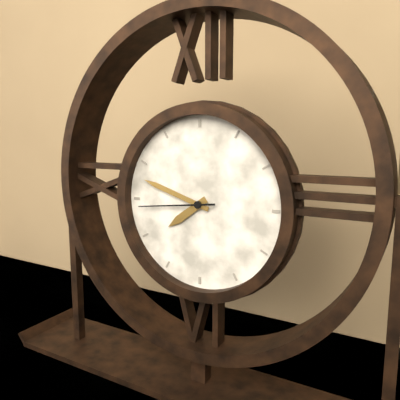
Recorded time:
7,48,44
